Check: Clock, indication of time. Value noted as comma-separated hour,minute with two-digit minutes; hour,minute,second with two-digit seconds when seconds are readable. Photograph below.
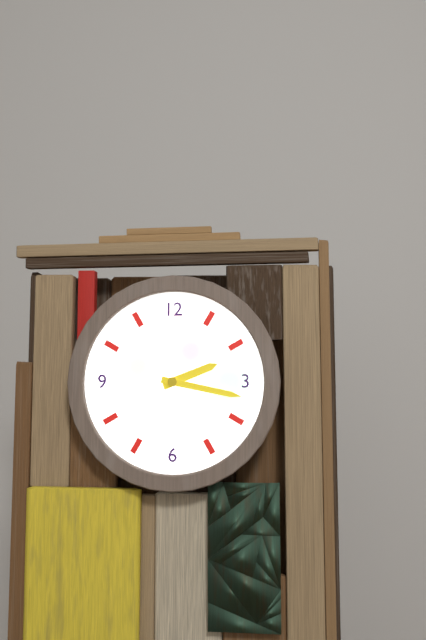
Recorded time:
2,17
